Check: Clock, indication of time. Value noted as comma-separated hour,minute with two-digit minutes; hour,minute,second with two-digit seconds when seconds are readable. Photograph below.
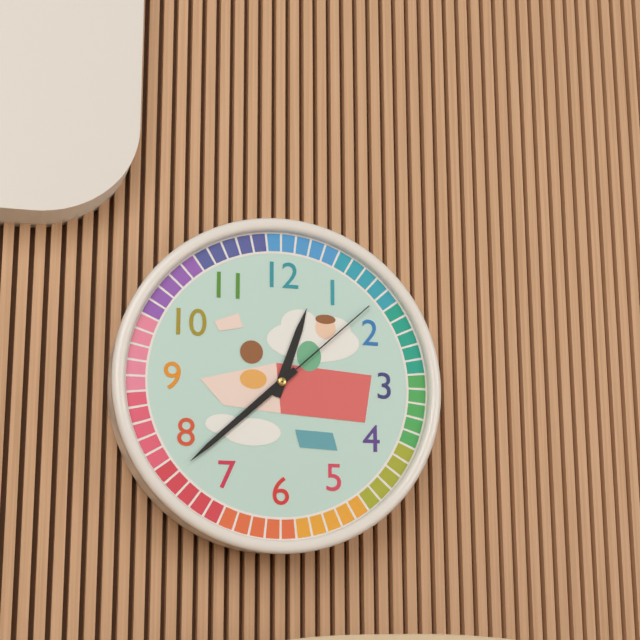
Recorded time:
12,38,08
